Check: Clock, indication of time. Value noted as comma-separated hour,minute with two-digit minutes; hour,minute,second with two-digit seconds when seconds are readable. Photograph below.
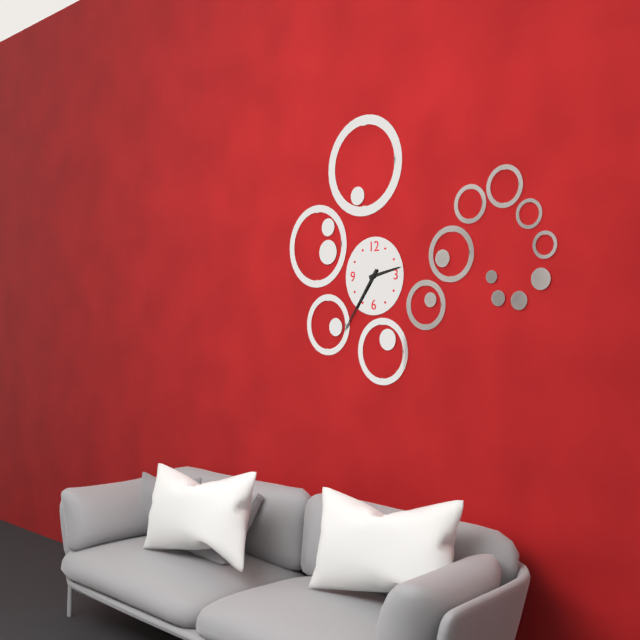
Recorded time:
2,36
